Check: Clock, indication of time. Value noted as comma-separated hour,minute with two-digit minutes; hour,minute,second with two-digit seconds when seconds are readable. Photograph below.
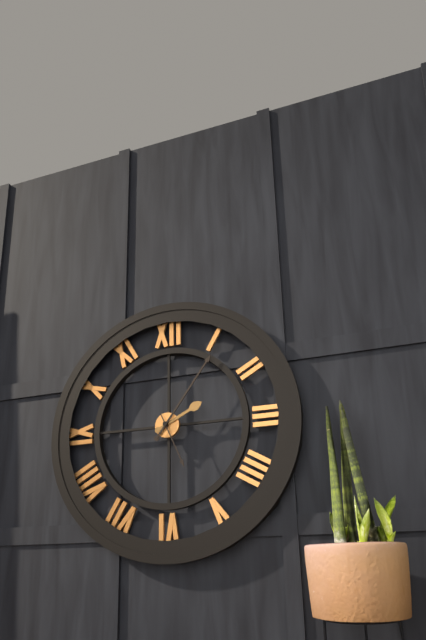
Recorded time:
2,06,26
